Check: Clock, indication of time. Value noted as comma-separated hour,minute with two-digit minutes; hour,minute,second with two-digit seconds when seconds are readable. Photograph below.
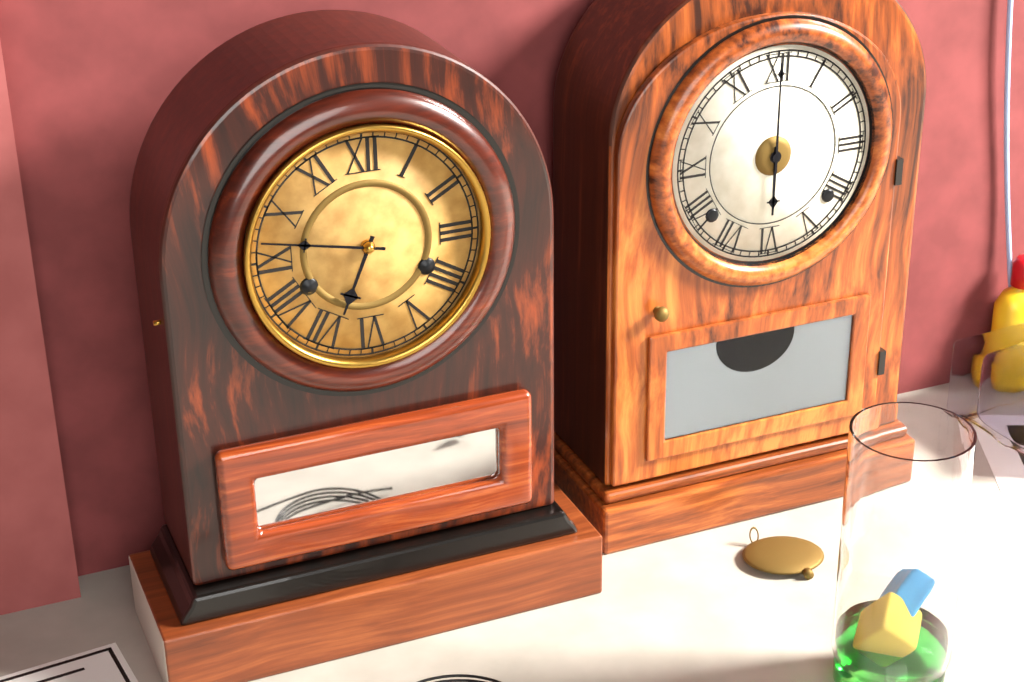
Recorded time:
6,47
